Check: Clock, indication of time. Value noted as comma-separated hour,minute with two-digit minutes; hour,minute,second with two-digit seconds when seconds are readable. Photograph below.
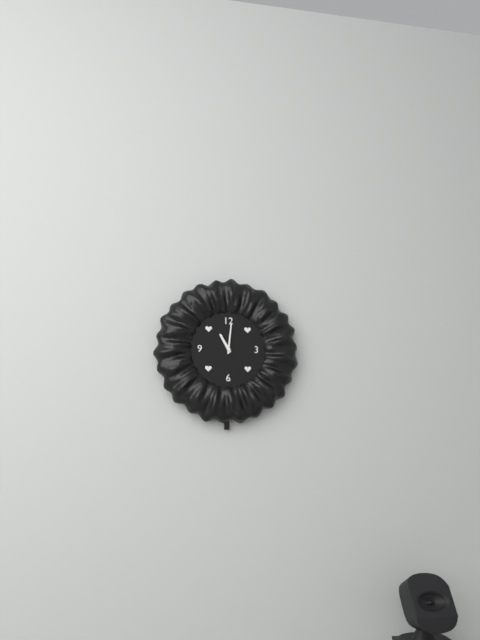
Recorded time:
11,01
